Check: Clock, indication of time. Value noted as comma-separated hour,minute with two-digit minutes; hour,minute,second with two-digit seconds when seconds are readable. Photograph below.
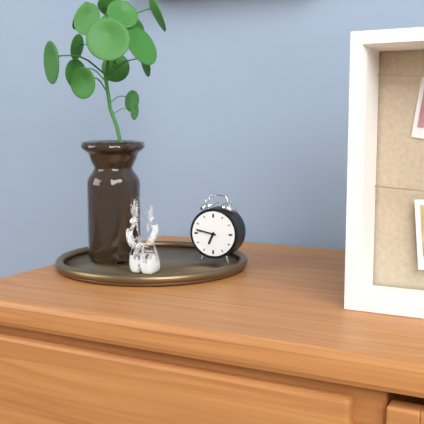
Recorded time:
6,47
